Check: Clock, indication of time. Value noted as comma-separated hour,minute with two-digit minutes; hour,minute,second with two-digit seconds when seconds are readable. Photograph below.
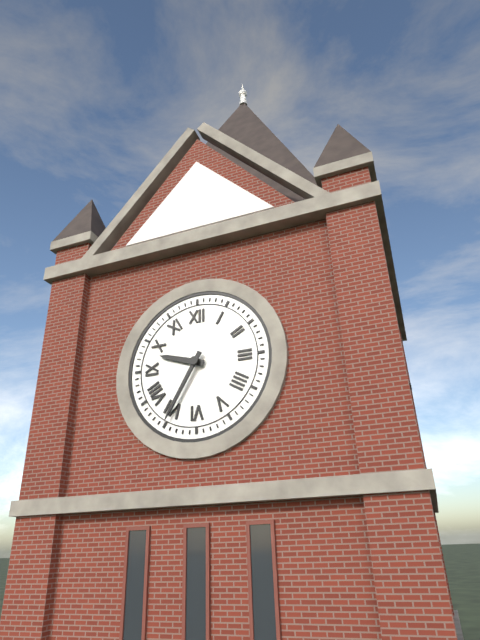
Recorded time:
9,35
